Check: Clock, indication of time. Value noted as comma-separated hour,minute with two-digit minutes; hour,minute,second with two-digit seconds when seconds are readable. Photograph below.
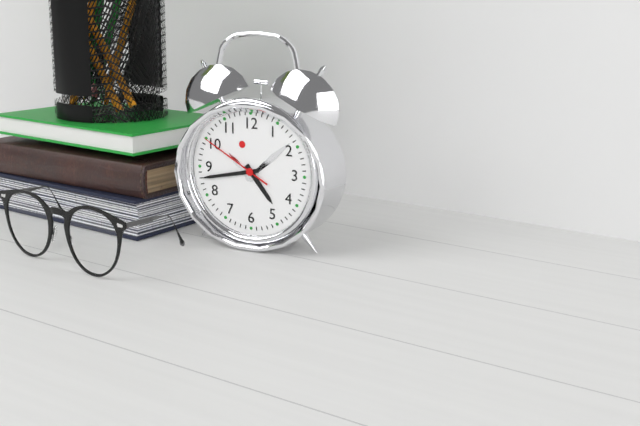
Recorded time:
4,43,50
